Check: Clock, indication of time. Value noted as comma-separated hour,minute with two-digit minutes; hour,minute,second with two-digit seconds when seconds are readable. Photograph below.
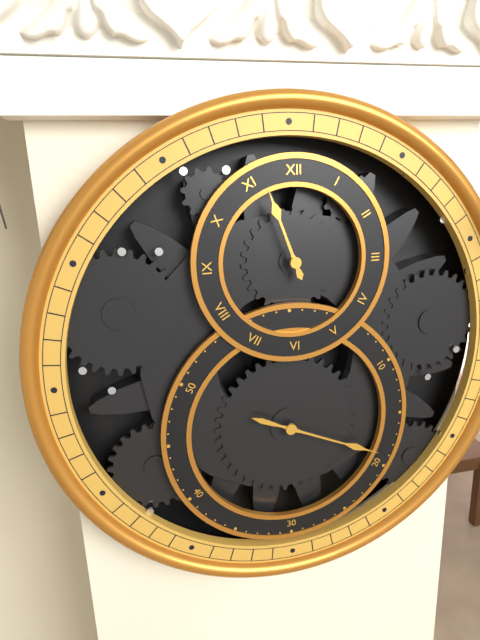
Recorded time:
11,19
